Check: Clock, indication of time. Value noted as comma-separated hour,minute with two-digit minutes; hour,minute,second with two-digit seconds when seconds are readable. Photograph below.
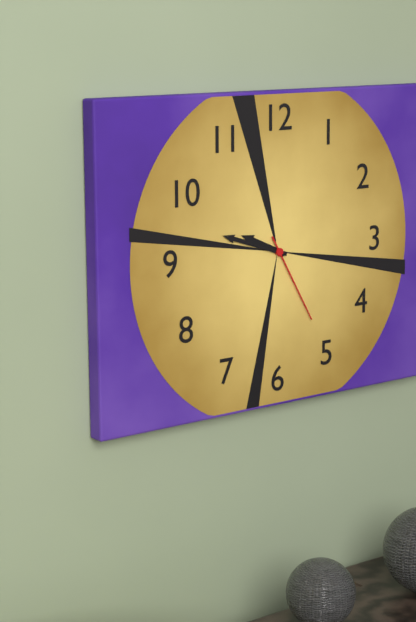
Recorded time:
9,48,25
